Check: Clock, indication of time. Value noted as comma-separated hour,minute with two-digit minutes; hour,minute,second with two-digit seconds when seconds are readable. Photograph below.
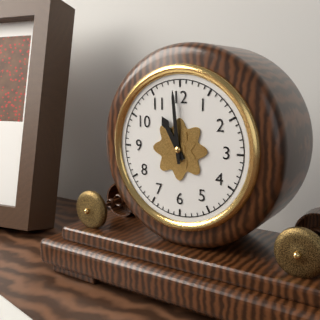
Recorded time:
10,59
